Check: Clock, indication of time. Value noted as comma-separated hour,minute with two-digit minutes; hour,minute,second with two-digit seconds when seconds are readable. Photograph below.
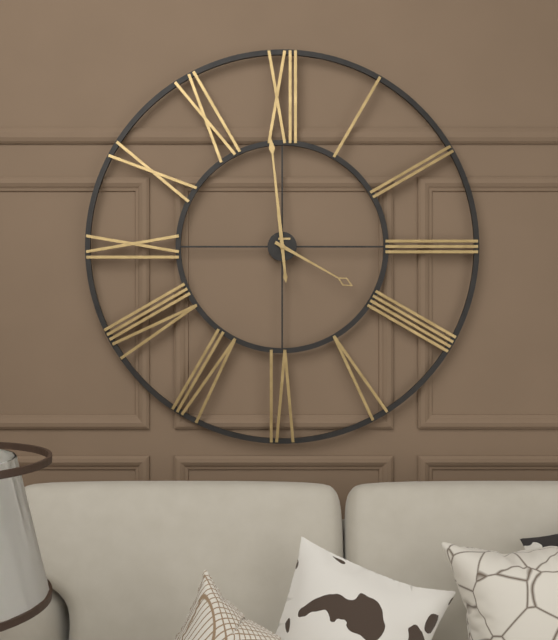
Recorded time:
3,59
